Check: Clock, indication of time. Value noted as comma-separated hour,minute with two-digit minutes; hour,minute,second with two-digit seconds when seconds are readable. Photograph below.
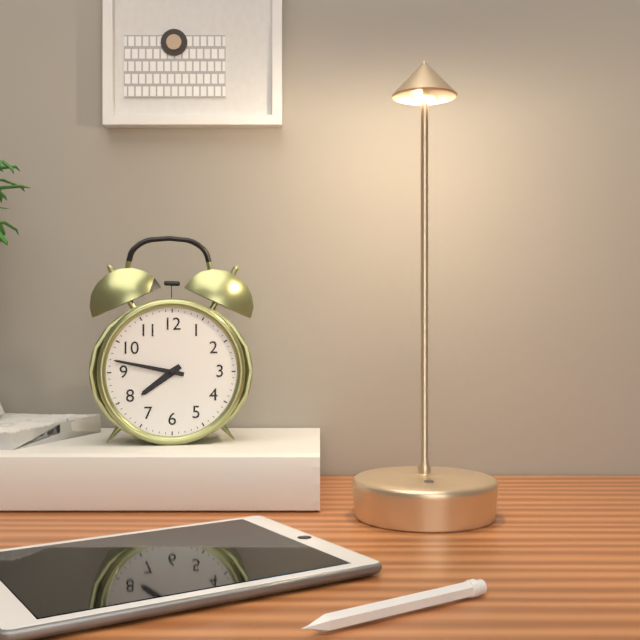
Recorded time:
7,47
